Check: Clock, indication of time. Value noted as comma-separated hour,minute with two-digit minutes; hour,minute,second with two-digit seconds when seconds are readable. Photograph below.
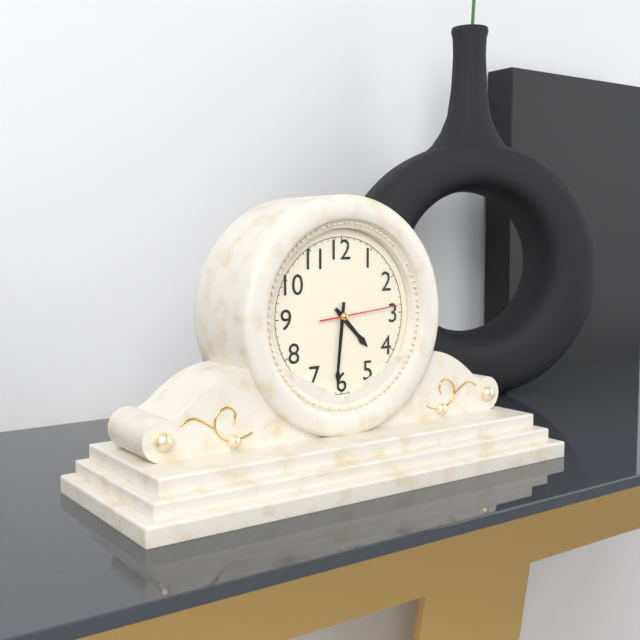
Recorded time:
4,31,14
